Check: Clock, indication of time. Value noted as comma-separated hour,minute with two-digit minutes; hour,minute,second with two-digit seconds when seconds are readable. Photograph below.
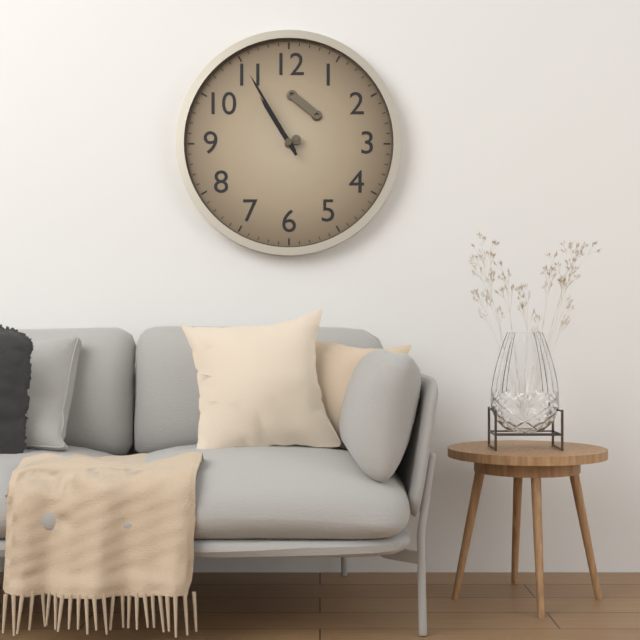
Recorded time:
10,55
